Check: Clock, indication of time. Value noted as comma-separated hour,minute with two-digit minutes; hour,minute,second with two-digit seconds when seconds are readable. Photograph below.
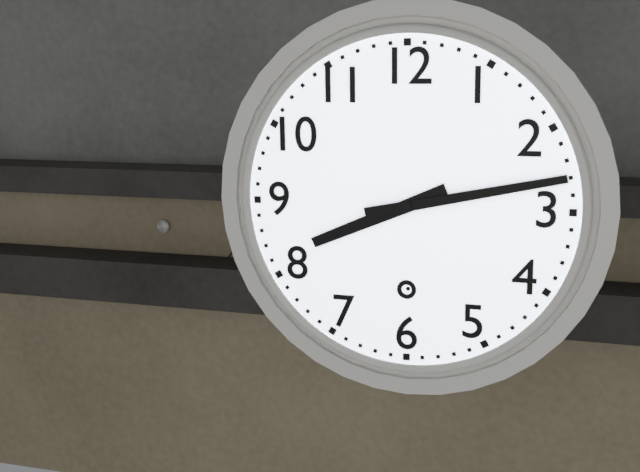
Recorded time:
8,13
